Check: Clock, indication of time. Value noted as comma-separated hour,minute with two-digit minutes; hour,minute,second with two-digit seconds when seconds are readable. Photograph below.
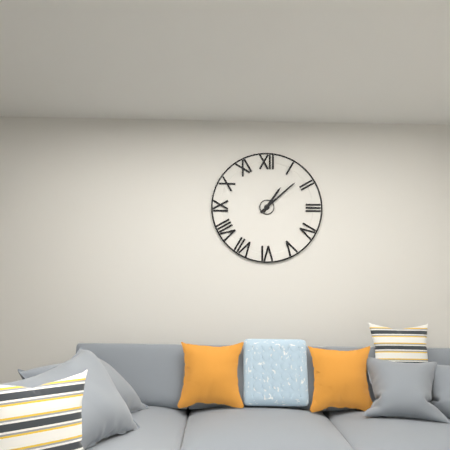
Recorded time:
1,08
